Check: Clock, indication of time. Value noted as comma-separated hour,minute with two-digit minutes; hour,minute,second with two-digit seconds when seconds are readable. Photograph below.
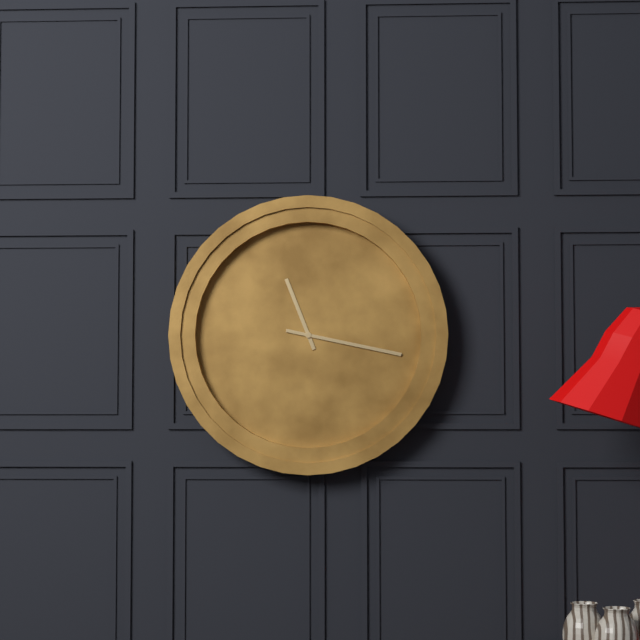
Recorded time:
11,17
